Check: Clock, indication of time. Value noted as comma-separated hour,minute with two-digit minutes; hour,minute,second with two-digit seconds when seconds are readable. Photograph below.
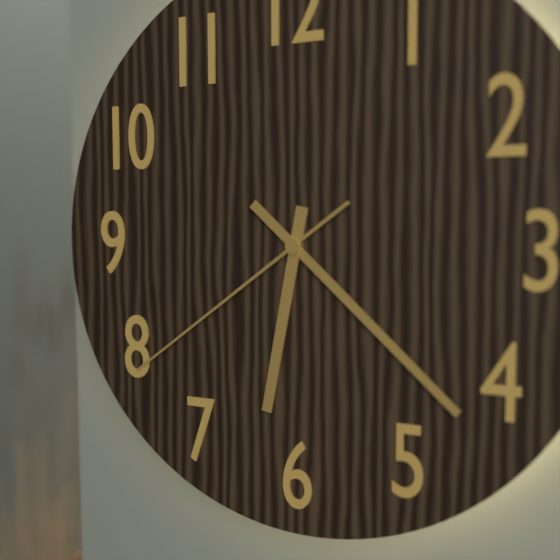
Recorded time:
6,22,39
